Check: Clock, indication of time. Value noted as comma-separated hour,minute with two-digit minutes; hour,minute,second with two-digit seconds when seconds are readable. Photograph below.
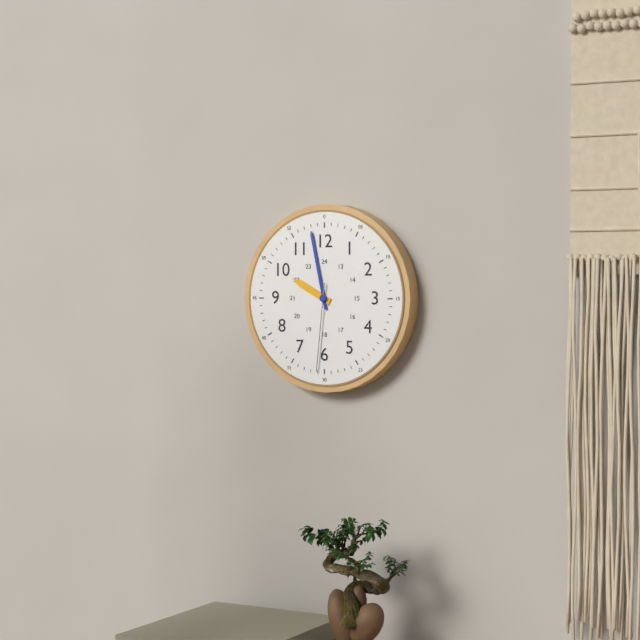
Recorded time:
9,58,31
